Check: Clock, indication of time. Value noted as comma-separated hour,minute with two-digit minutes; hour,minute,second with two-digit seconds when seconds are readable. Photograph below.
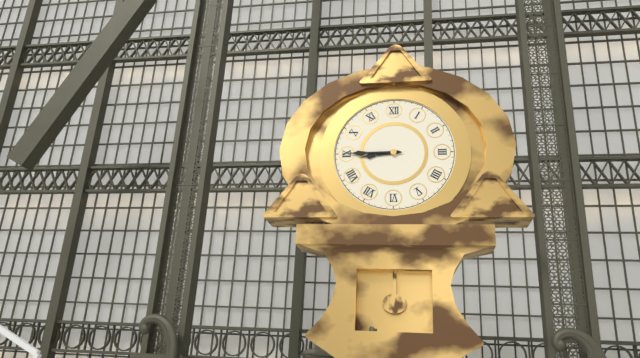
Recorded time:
8,45
